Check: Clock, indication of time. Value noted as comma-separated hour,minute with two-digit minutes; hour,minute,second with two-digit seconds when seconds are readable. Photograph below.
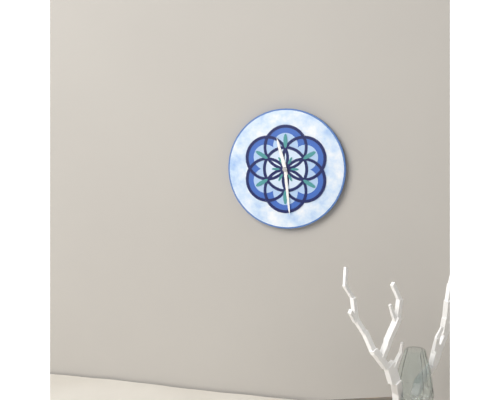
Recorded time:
11,29
